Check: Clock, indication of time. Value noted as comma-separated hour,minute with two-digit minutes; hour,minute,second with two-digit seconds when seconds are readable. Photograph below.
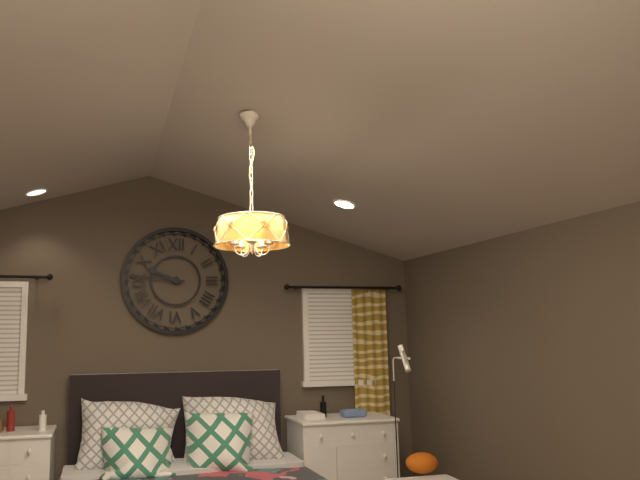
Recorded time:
9,46
